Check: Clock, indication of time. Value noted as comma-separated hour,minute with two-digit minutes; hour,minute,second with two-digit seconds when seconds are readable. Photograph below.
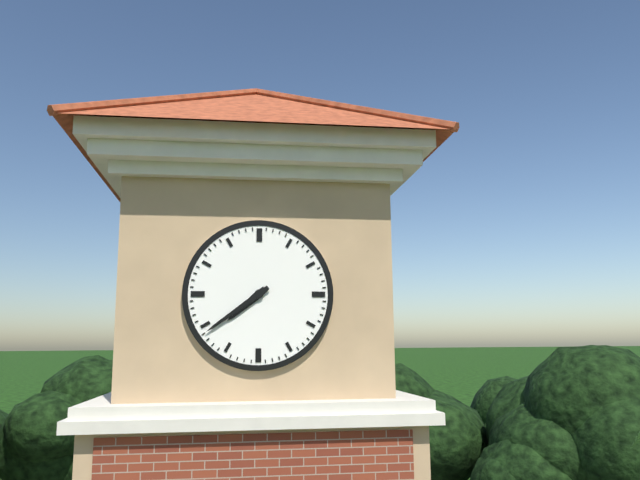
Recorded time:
7,39
